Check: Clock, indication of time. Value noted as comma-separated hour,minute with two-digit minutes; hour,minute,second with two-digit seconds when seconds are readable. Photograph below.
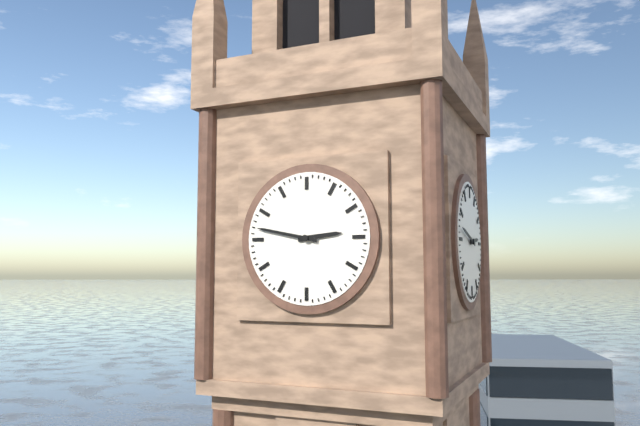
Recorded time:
2,47
